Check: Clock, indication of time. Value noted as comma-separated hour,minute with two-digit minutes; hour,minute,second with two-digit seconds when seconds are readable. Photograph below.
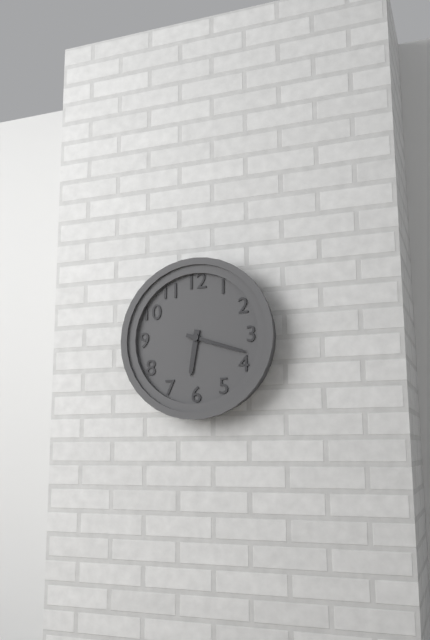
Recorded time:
6,18
